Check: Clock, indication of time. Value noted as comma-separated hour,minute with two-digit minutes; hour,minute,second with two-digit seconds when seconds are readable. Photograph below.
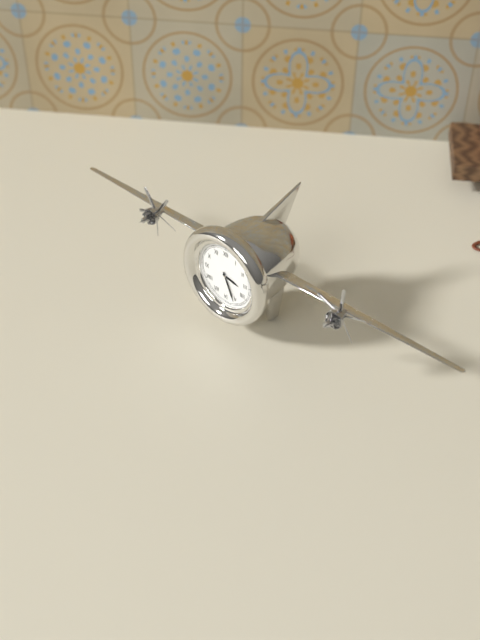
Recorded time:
3,26
